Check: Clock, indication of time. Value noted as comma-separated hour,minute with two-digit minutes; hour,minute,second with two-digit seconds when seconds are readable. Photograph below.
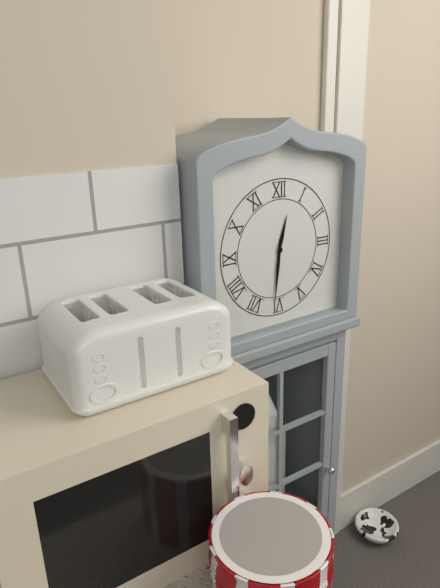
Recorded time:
12,31
